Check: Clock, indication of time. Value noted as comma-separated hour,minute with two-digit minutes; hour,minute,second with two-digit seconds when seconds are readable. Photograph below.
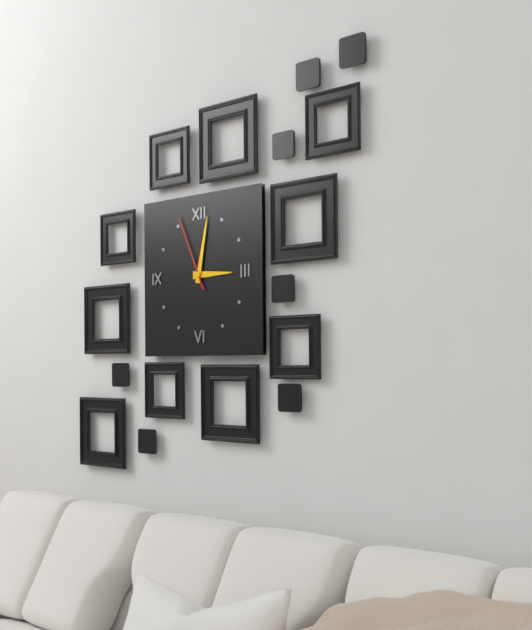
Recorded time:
3,02,56
